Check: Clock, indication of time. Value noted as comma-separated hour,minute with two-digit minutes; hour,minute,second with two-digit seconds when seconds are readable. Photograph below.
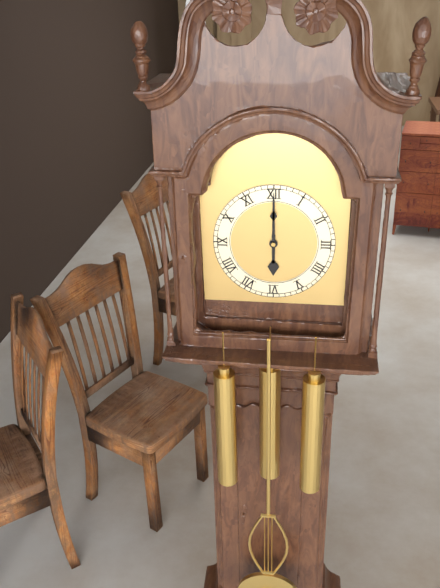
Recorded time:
6,00
